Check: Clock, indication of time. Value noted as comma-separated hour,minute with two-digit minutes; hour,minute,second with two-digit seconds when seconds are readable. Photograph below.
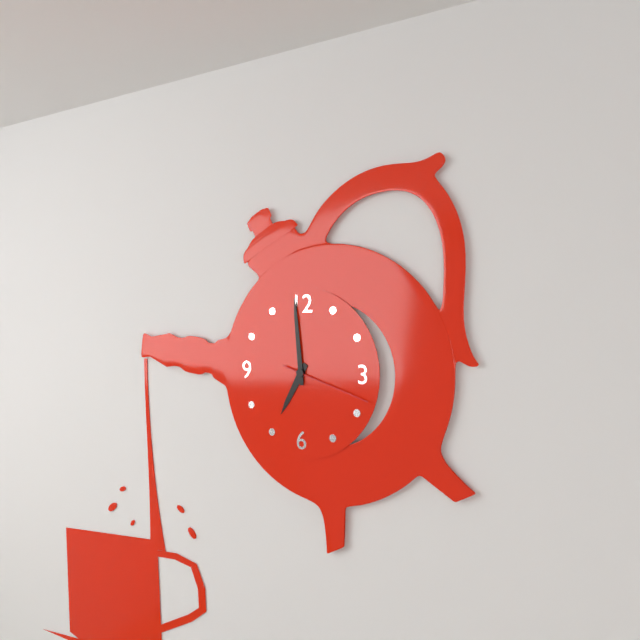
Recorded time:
6,59,18
